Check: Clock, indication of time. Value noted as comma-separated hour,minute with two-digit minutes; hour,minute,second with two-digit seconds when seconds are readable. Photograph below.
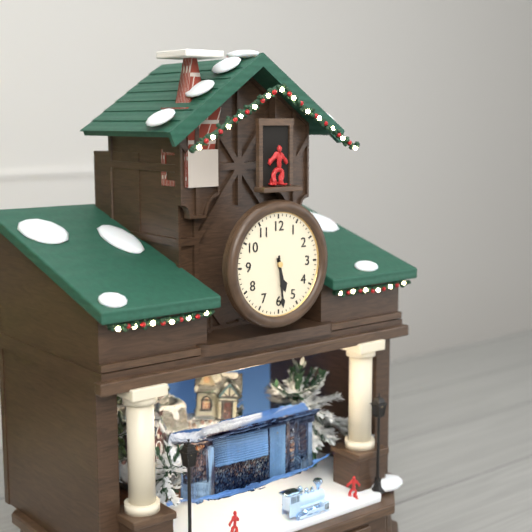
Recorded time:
5,29
